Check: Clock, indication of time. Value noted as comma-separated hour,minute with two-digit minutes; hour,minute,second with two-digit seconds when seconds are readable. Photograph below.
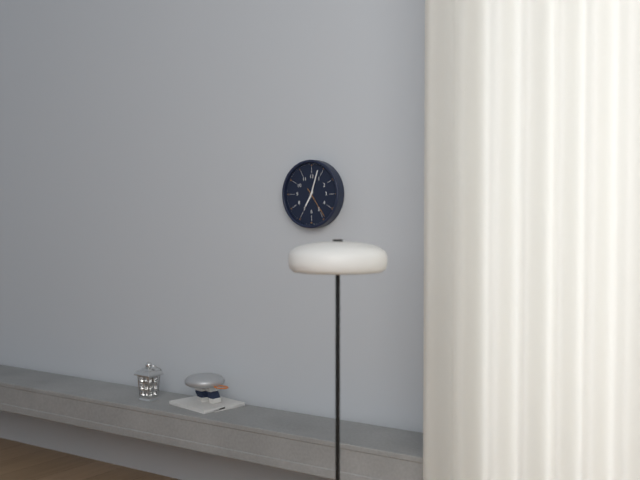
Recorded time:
7,03
